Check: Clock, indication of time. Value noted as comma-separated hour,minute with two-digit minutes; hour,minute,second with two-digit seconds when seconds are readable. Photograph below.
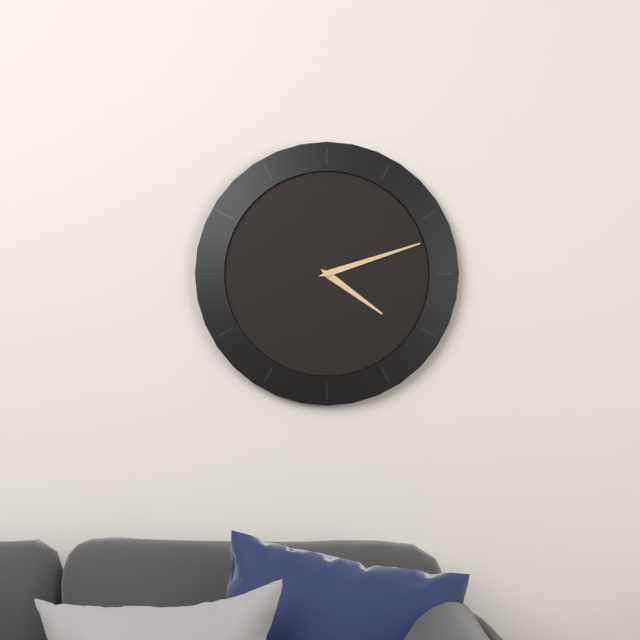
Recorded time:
4,12
